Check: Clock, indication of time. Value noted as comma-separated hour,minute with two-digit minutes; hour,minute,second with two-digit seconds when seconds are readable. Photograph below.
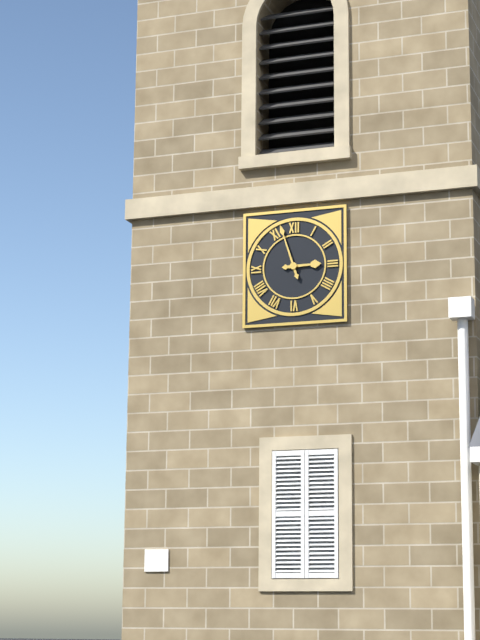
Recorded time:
2,57
